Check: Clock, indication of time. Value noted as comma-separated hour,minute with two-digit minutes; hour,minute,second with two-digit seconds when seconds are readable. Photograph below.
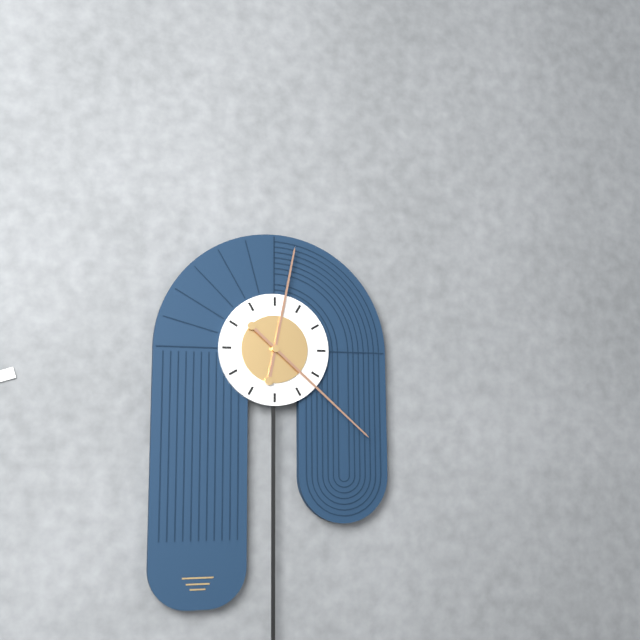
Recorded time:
12,22
